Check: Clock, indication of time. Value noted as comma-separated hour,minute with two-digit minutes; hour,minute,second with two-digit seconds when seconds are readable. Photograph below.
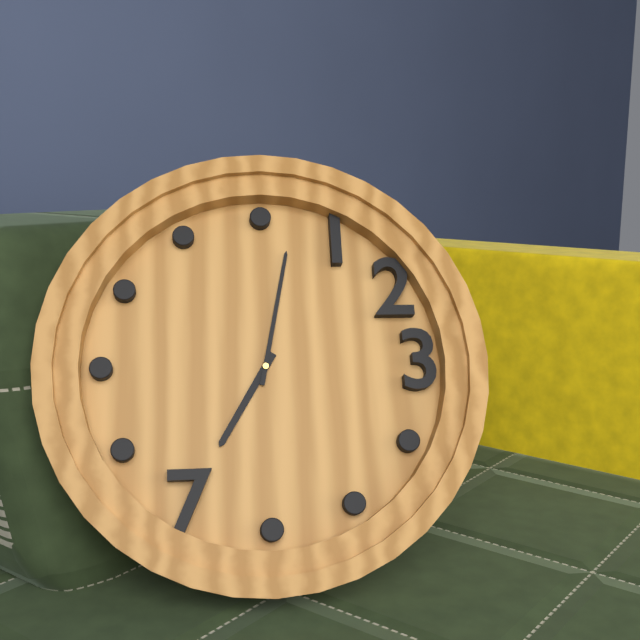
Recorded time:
7,02
